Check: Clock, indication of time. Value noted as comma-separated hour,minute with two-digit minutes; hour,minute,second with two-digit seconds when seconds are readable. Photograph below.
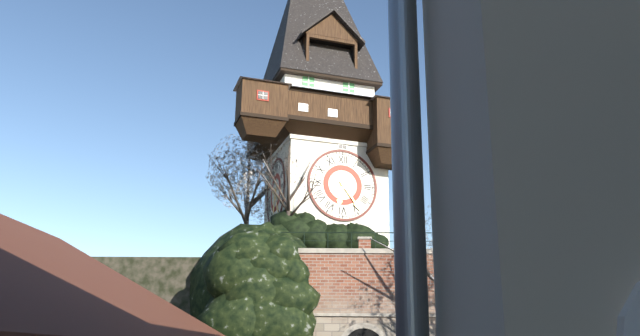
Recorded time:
6,24
